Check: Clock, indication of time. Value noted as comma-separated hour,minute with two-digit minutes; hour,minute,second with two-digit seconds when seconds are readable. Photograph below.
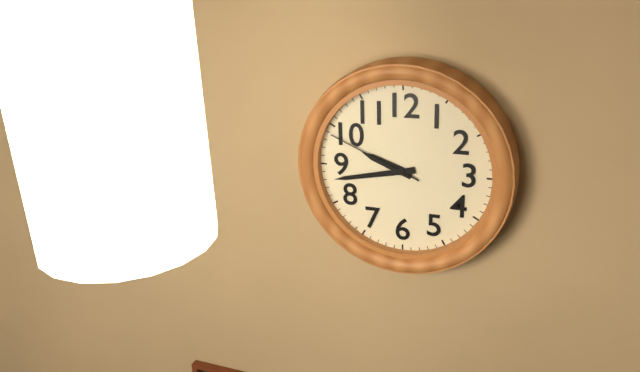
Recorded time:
9,43,49
